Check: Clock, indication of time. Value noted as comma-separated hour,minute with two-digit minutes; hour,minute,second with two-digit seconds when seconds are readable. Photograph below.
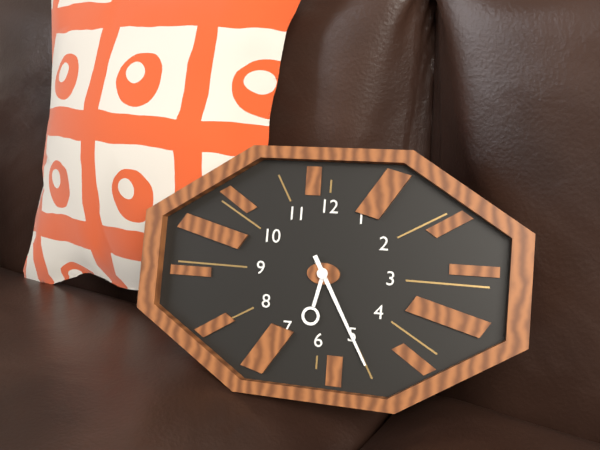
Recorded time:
6,25
